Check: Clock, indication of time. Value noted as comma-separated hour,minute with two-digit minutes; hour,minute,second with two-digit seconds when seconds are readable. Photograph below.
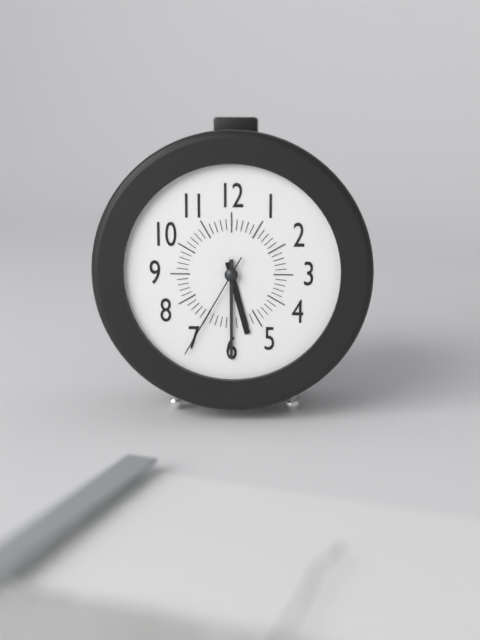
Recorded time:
5,30,35
